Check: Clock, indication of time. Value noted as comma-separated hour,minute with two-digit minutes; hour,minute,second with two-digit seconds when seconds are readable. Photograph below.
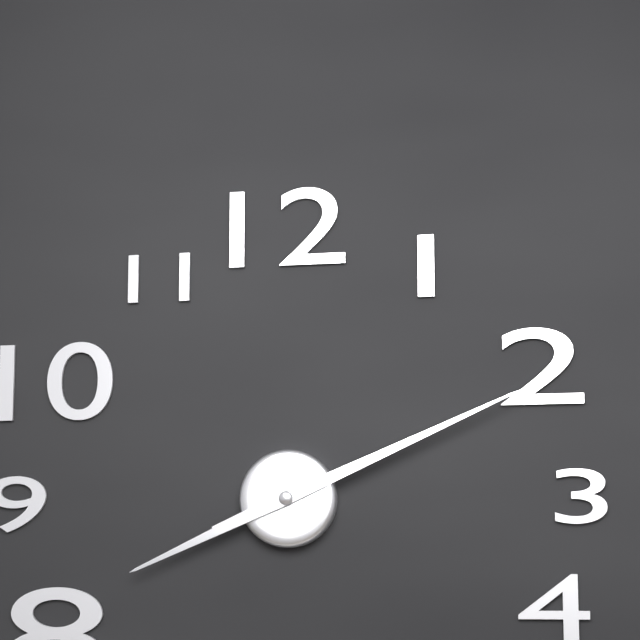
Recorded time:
8,11
